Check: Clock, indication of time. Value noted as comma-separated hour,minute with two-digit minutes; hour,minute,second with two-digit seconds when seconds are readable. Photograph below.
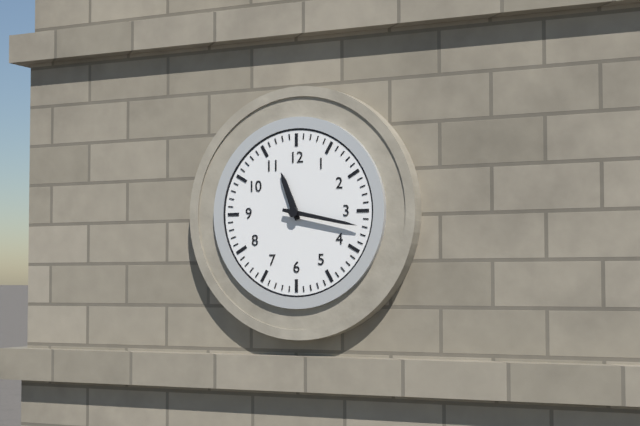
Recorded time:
11,17
